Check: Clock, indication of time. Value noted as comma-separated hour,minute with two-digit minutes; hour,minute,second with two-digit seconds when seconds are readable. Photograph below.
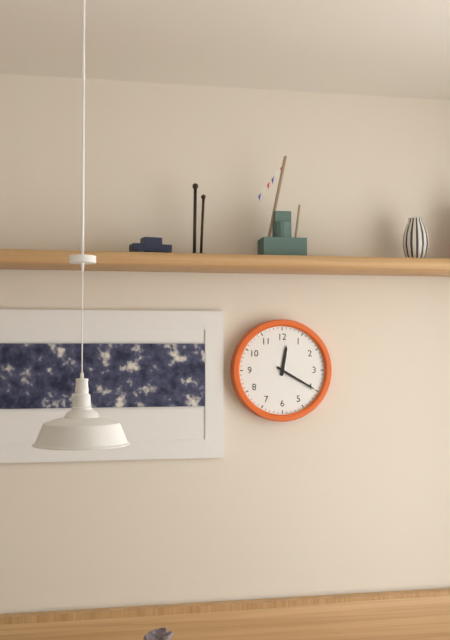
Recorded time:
12,20
